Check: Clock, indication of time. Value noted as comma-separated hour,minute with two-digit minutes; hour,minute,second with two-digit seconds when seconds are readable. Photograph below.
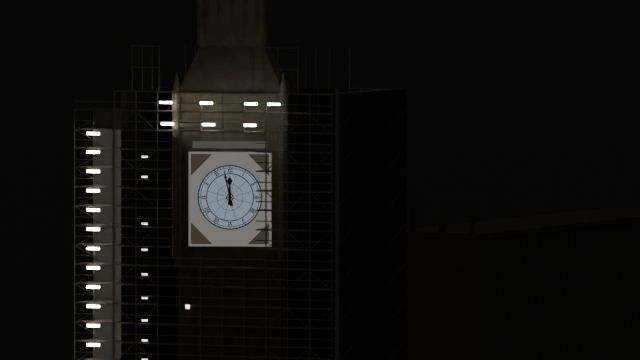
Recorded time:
11,58
